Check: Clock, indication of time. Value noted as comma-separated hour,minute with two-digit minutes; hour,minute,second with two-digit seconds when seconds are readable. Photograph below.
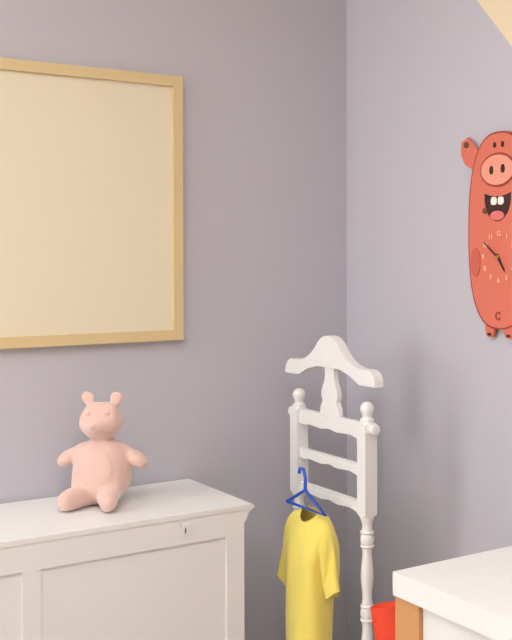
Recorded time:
4,51
